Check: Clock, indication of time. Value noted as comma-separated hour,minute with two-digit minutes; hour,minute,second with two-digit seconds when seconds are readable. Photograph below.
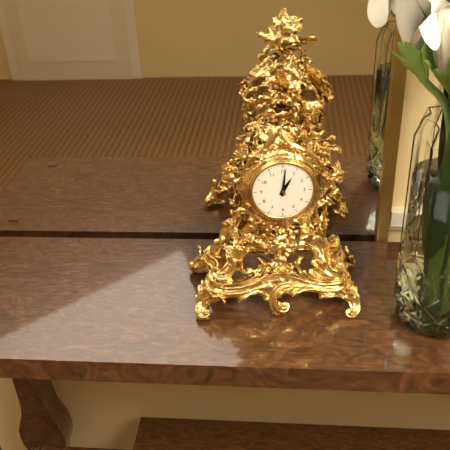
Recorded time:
1,01
